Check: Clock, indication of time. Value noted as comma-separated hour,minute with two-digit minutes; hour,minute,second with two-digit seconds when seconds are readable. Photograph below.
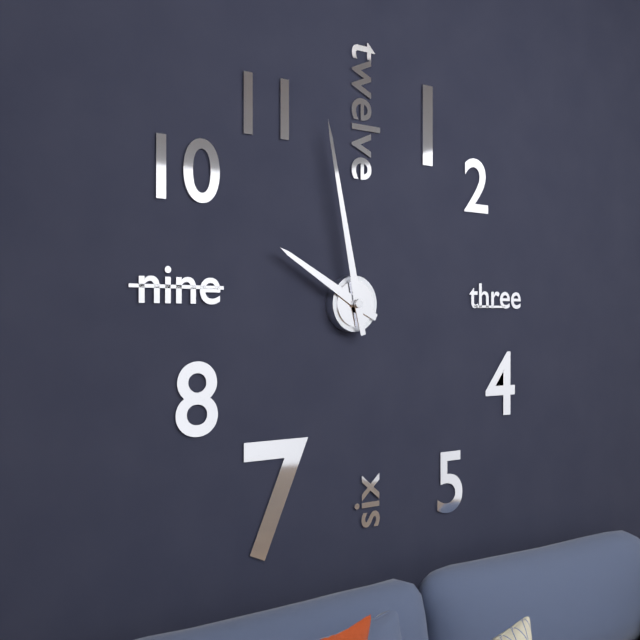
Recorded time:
9,58
